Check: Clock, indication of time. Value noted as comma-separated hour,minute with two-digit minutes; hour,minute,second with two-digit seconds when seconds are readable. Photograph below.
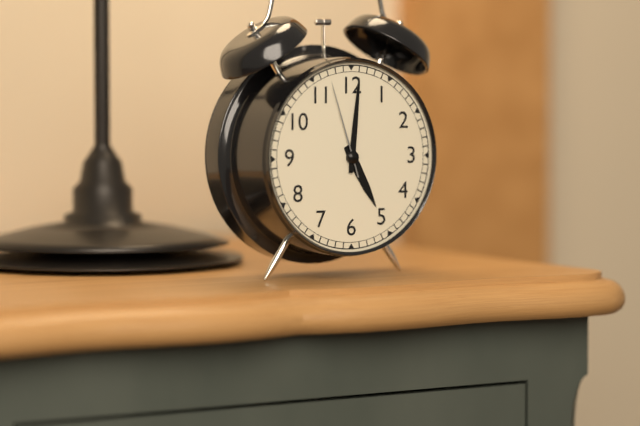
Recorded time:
5,01,57
